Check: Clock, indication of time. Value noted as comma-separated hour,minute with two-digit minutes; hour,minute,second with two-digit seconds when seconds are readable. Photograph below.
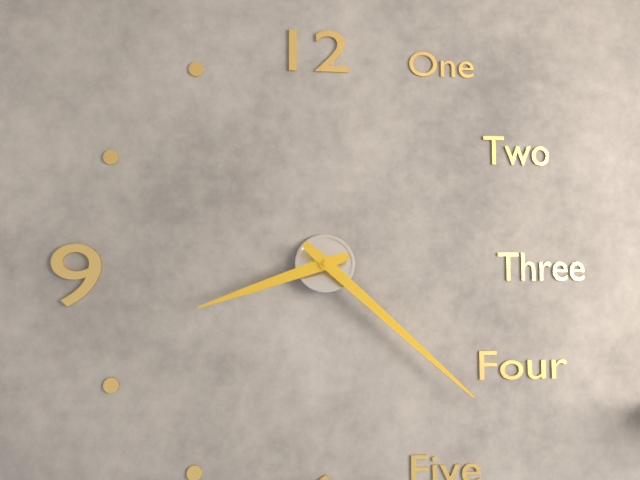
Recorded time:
8,22
